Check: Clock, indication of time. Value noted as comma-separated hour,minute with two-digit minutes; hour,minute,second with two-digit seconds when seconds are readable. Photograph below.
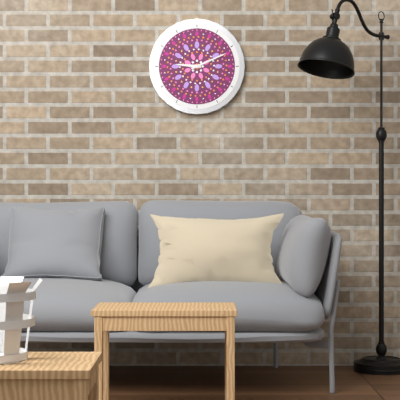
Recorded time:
9,11
